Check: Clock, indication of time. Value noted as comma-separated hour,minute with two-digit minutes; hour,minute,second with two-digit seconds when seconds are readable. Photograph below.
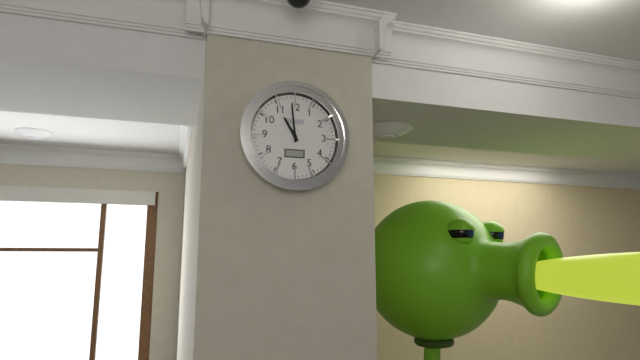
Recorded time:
10,59
